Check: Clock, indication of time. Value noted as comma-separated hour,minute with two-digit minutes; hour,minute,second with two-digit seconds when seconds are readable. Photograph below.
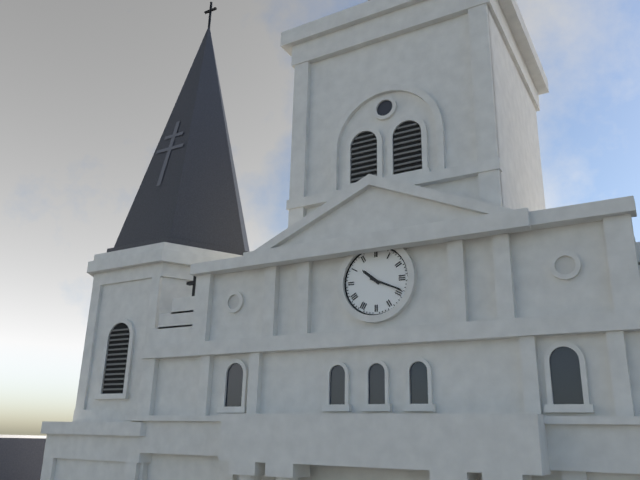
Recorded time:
10,19
